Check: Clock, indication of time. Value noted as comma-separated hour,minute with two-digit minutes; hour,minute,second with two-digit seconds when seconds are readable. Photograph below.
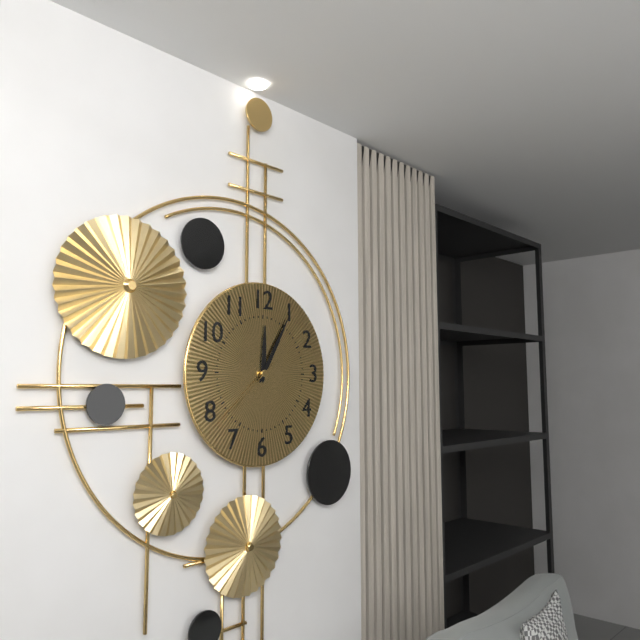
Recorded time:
12,05,38
